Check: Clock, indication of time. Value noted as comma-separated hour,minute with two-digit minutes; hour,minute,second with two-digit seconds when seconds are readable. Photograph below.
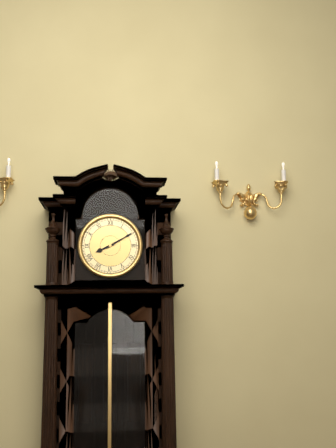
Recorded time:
8,10
